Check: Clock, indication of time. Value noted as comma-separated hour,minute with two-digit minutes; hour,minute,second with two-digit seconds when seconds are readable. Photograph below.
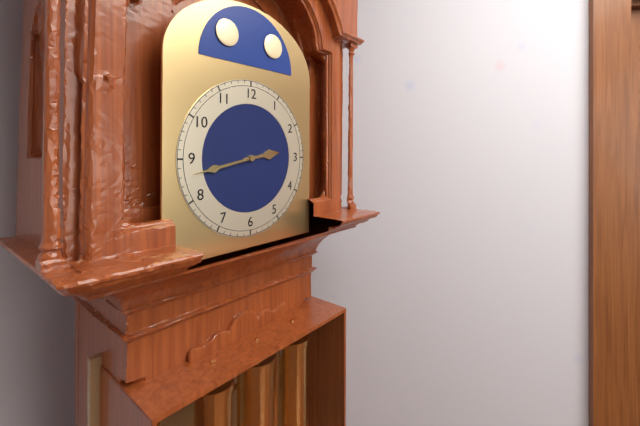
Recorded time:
2,43
